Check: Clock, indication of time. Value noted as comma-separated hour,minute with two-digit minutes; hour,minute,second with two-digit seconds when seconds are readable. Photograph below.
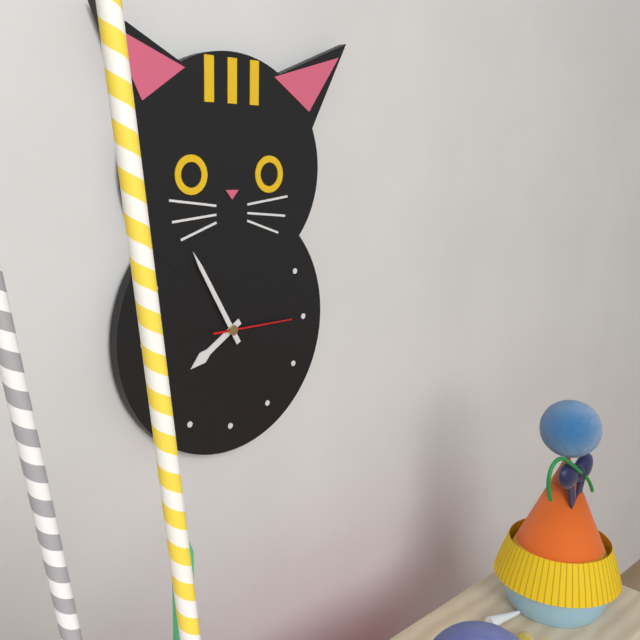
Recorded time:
7,55,15
